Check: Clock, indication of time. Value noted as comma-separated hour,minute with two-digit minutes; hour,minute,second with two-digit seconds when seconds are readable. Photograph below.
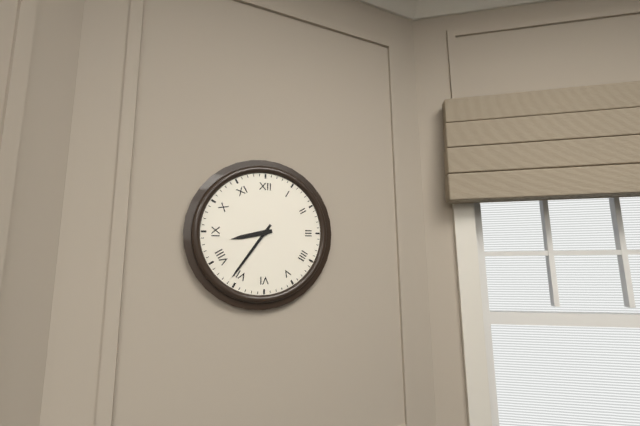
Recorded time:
8,36
